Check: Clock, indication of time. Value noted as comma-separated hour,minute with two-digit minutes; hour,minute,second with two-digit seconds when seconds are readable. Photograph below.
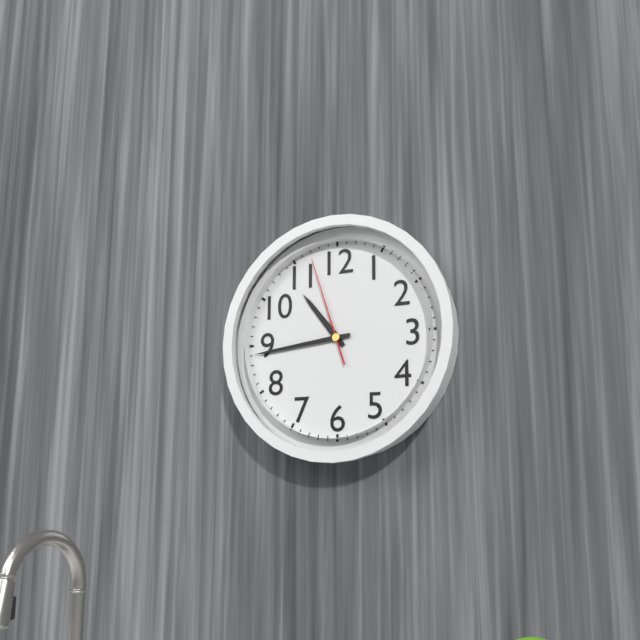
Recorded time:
10,44,57
